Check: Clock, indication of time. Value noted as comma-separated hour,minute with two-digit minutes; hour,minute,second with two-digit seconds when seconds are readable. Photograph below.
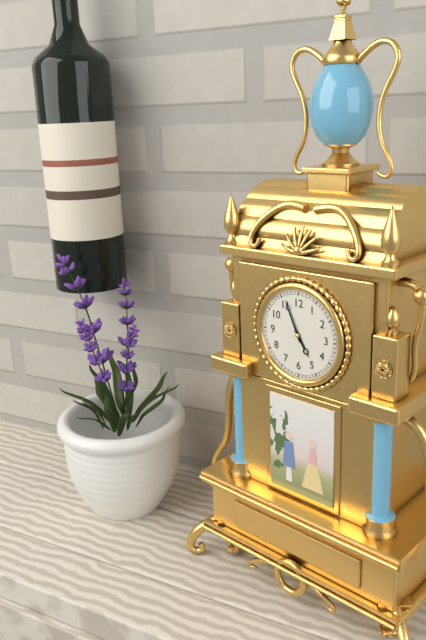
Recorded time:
4,56
